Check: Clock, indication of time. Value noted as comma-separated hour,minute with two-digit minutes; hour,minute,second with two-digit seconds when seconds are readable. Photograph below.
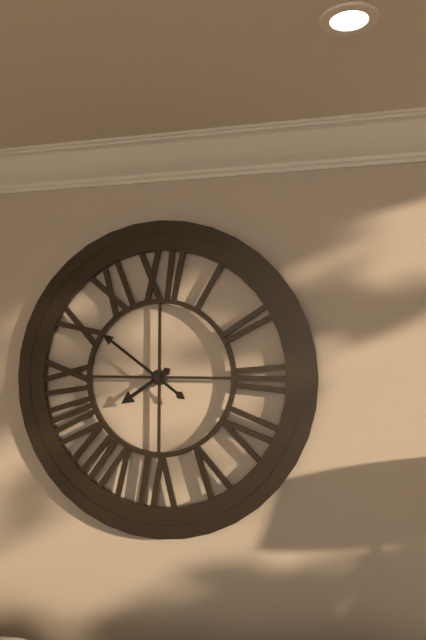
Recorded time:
7,51
